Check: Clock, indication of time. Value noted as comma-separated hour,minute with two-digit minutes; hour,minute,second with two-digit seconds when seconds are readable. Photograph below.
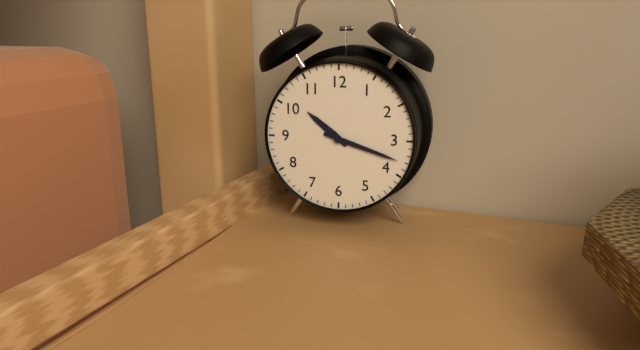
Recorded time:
10,18
